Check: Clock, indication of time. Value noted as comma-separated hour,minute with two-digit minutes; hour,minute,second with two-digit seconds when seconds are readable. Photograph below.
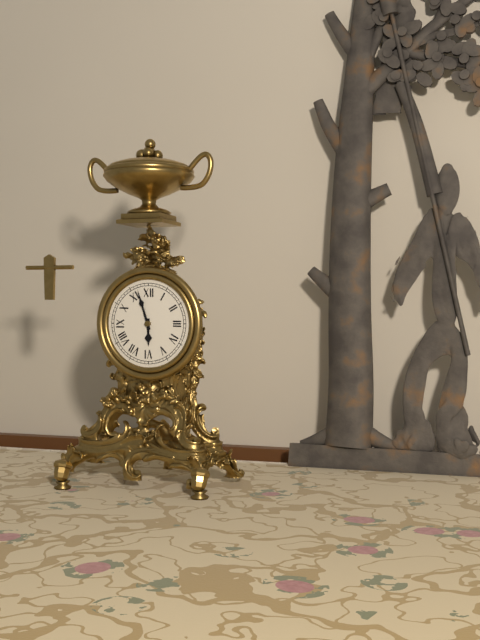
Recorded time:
5,57
